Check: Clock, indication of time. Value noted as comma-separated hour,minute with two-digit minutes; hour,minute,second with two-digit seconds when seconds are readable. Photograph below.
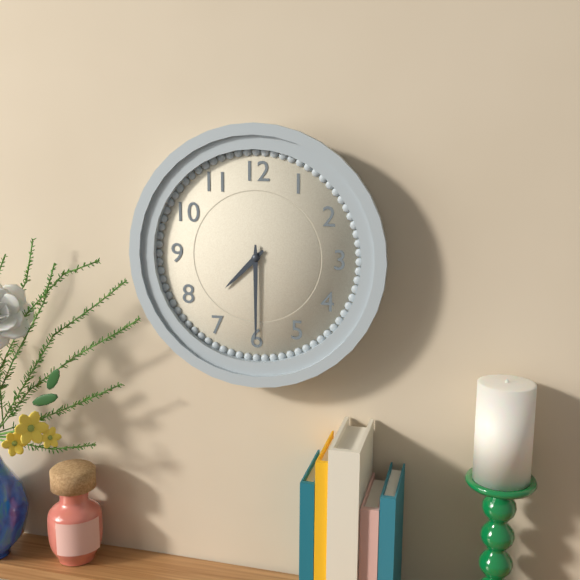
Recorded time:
7,30
